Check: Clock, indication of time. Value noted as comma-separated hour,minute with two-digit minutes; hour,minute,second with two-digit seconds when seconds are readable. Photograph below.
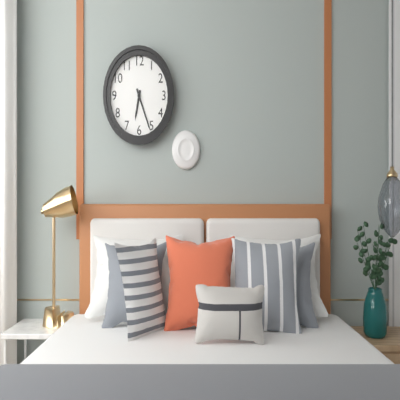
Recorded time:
6,26
